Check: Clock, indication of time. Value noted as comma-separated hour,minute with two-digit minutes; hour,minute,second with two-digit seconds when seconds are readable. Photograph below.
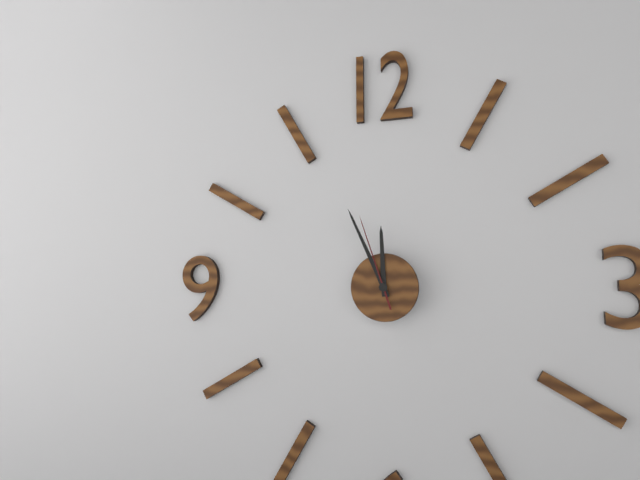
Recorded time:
11,56,57
